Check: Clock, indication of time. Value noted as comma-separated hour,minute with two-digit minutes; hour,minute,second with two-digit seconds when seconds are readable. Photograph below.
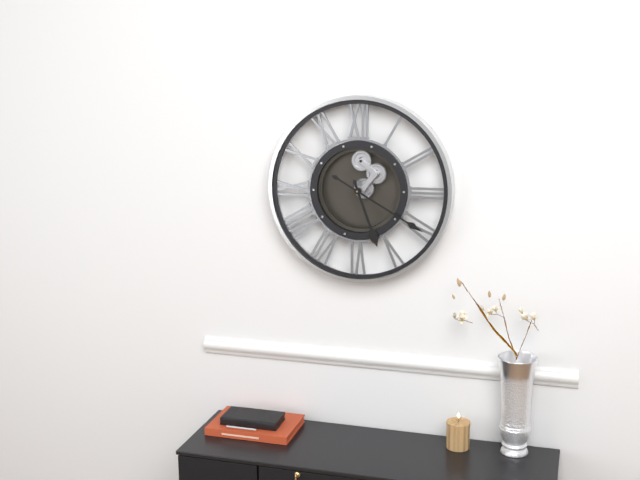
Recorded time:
5,20
